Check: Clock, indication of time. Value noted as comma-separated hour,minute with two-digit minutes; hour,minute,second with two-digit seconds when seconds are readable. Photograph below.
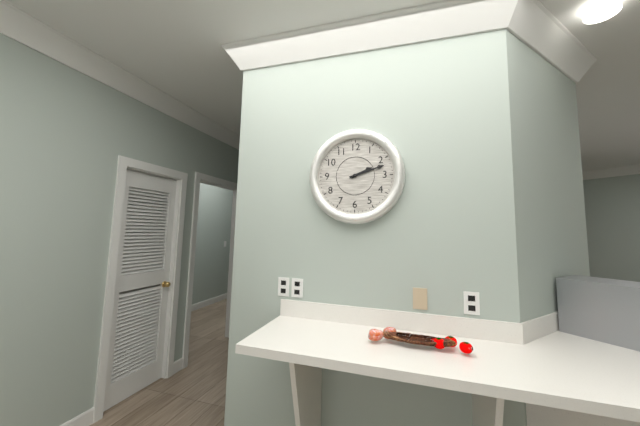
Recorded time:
2,12
